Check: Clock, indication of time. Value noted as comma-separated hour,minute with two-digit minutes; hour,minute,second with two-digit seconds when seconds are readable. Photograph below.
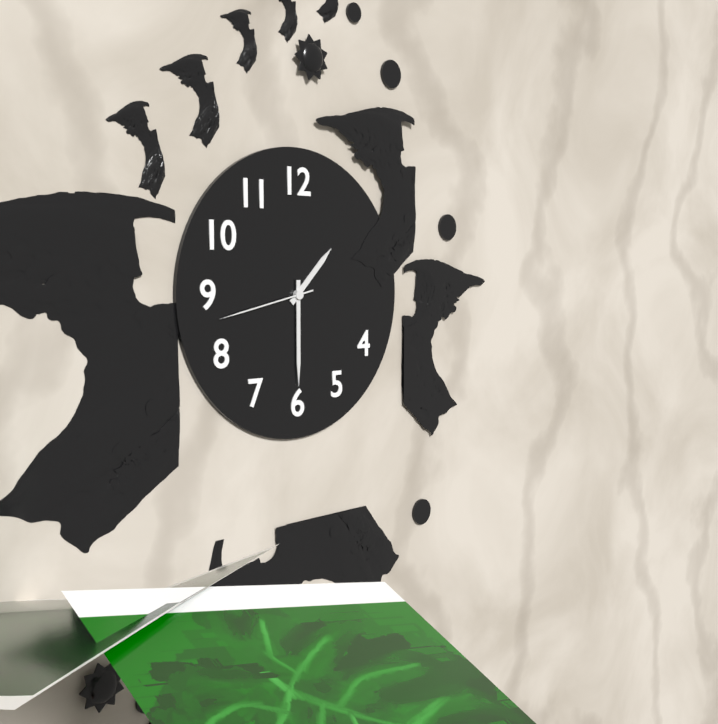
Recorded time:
1,30,43
